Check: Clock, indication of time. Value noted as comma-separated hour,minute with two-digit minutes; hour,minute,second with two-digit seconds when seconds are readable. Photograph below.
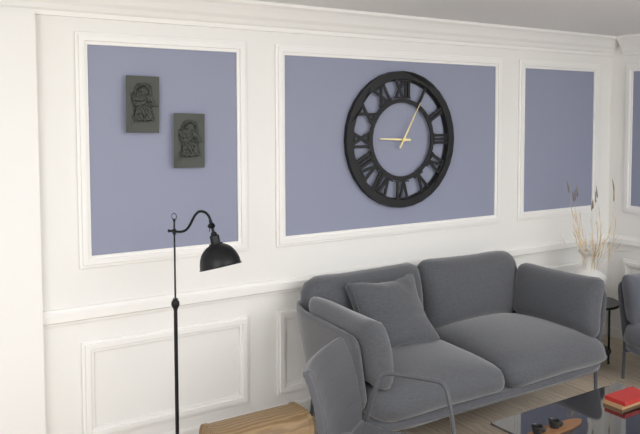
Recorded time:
9,05
